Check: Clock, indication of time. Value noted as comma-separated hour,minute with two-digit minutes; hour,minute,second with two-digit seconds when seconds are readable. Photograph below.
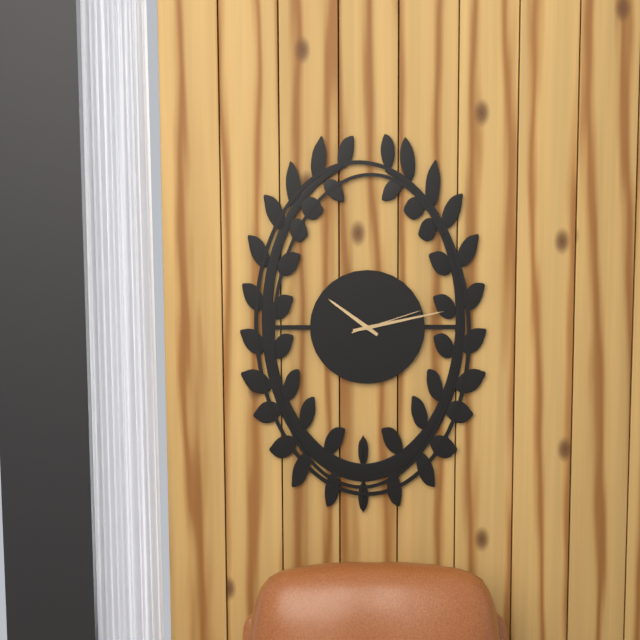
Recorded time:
10,13,12
